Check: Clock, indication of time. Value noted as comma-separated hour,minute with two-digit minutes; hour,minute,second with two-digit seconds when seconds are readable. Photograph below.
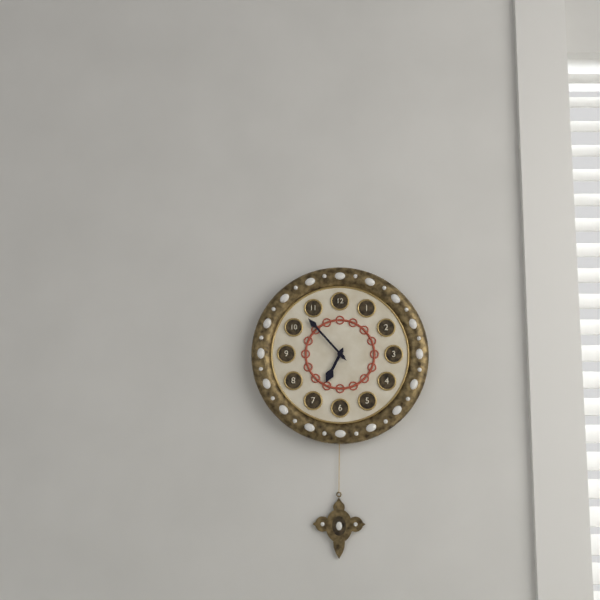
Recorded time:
6,53
